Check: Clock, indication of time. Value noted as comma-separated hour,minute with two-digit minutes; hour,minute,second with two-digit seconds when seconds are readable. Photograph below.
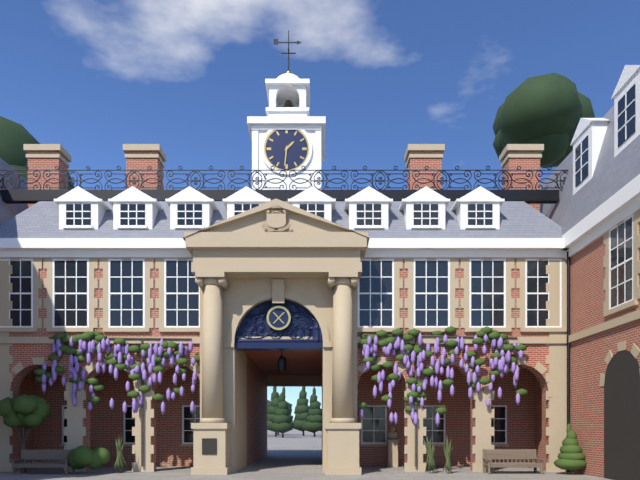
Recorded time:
1,31
